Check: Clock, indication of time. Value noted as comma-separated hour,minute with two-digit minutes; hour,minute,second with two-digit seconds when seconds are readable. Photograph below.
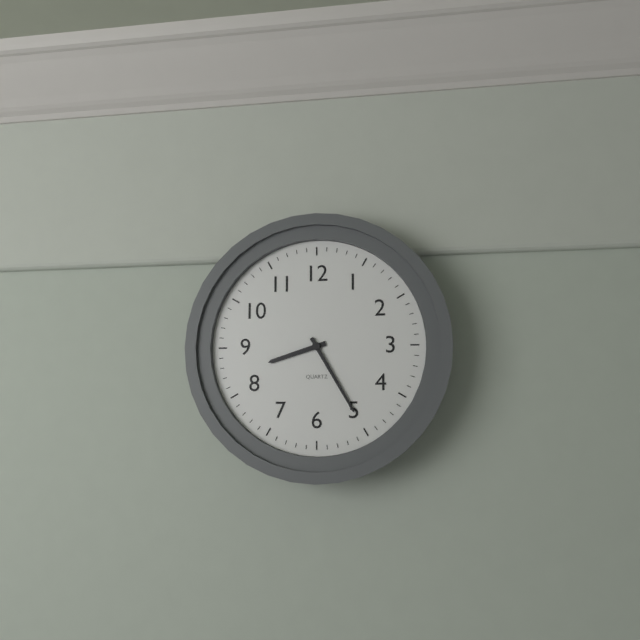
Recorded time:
8,25
